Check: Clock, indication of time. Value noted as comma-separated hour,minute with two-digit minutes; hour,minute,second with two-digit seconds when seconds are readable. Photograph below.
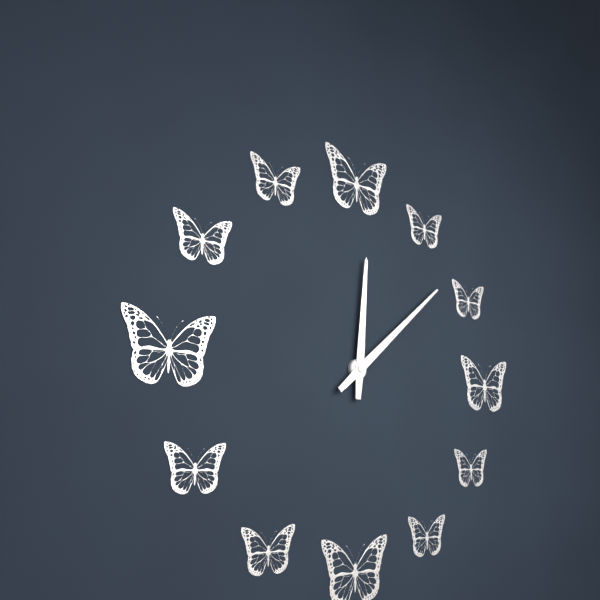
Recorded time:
12,08
